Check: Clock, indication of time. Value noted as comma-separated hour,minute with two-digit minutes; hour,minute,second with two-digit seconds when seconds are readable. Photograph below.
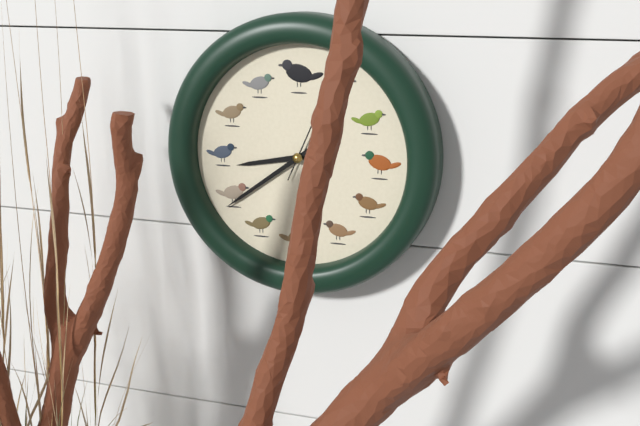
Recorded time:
8,39
